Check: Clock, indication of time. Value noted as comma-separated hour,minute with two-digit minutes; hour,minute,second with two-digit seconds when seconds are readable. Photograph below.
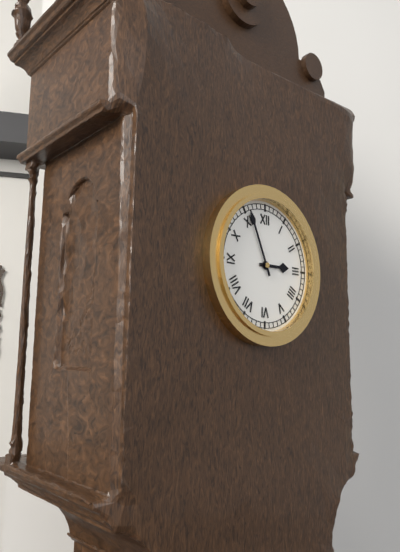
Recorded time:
2,56
